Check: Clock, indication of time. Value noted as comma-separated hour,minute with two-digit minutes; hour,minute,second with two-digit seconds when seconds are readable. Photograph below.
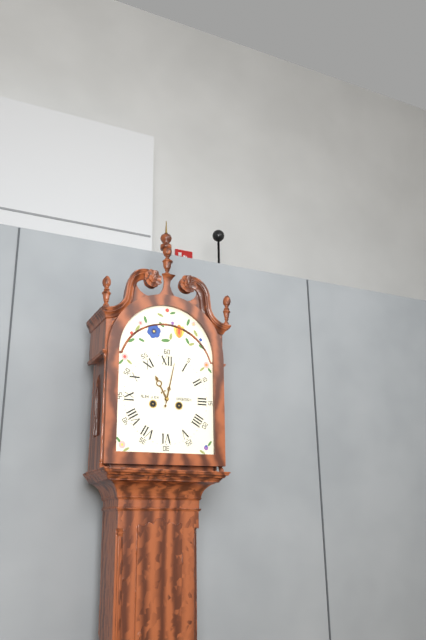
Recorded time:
11,02
